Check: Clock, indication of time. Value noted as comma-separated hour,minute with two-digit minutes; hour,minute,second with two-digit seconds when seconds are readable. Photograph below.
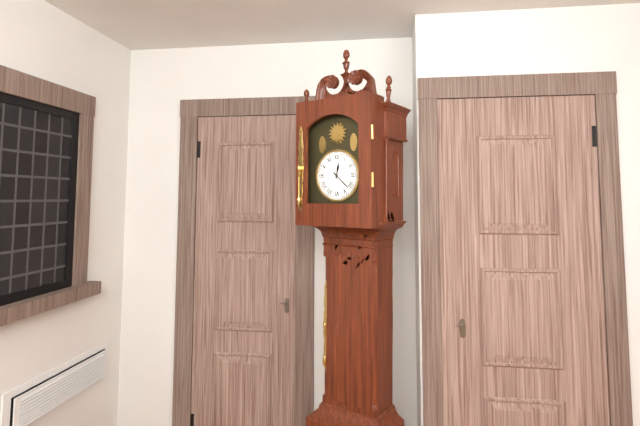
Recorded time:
12,22
